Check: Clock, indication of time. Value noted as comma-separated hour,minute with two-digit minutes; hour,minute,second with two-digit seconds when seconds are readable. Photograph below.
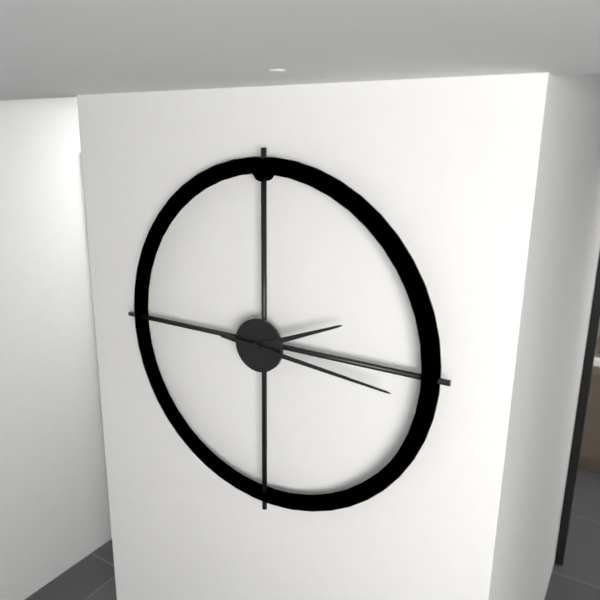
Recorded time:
2,16
